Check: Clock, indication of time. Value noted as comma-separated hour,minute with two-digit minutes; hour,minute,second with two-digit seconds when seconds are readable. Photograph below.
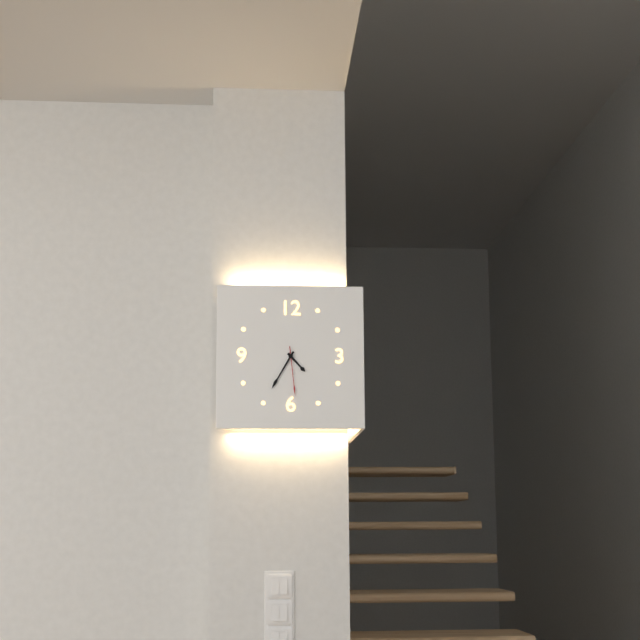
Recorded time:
4,35,29
